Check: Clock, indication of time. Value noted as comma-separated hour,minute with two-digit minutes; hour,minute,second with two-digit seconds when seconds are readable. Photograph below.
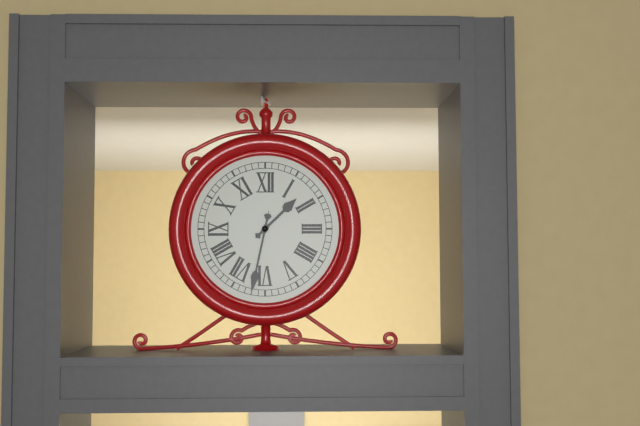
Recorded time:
1,32
